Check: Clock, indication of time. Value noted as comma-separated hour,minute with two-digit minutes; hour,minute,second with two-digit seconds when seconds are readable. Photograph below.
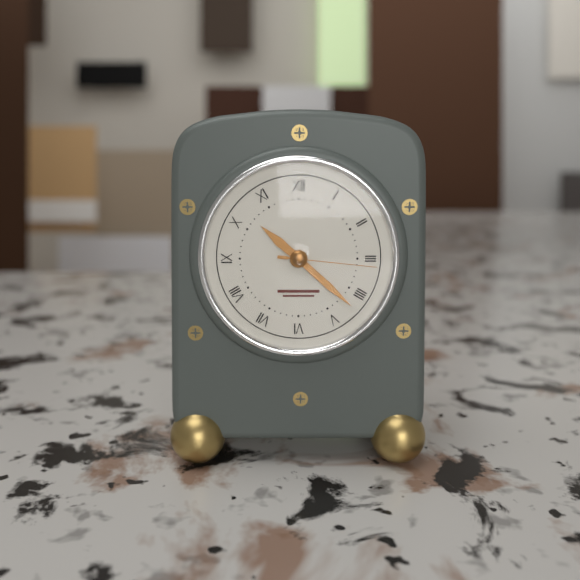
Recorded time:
10,22,16
